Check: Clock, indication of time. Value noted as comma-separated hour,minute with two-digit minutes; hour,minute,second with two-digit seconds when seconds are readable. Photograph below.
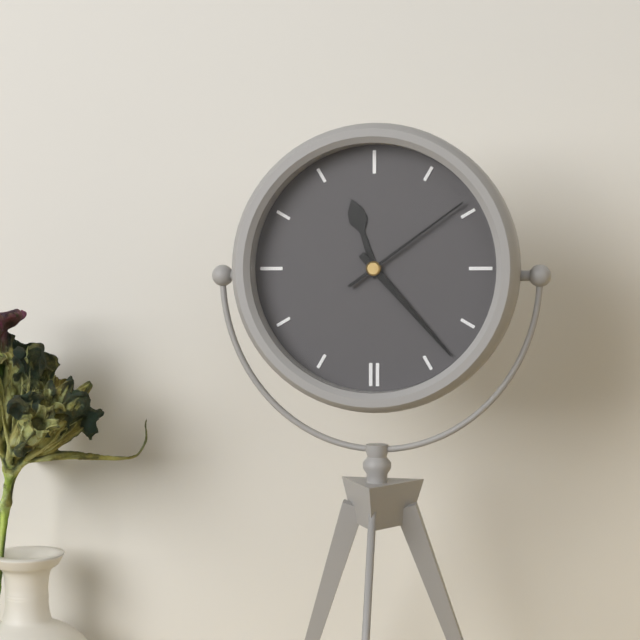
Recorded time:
11,23,09
